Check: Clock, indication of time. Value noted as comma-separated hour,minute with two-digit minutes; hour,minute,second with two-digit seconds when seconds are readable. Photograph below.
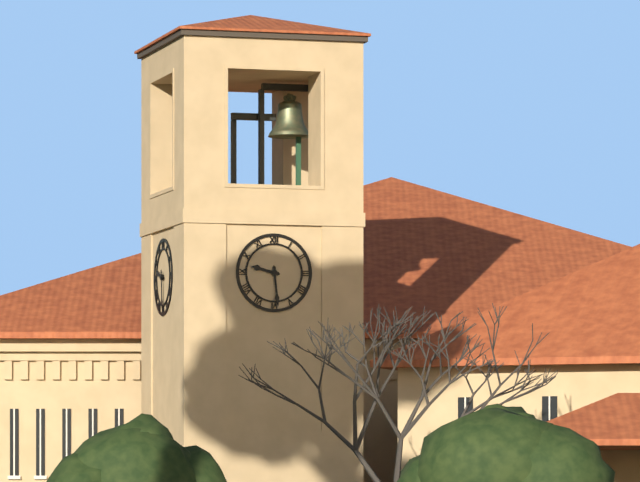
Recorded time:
9,29
